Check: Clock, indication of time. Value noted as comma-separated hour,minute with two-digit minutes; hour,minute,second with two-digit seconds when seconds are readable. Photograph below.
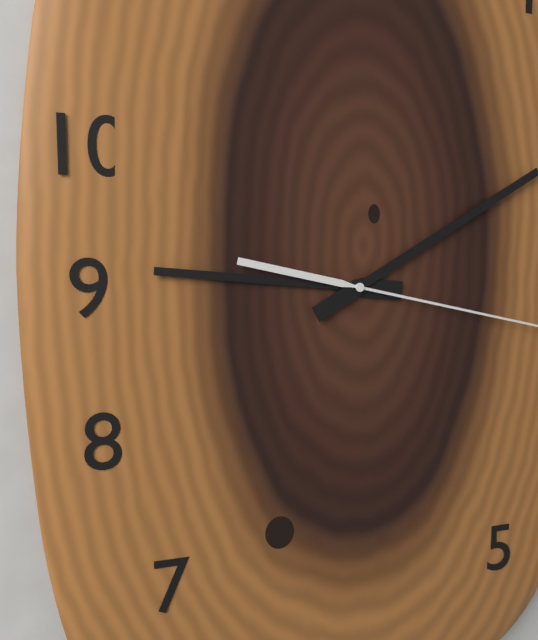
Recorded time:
9,10
